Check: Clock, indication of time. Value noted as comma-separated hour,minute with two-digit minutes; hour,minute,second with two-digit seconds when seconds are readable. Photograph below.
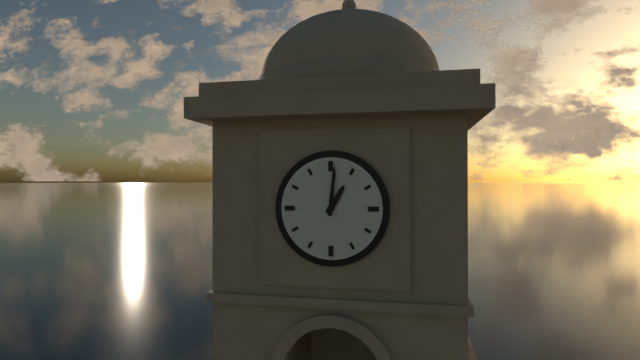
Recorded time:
1,01
